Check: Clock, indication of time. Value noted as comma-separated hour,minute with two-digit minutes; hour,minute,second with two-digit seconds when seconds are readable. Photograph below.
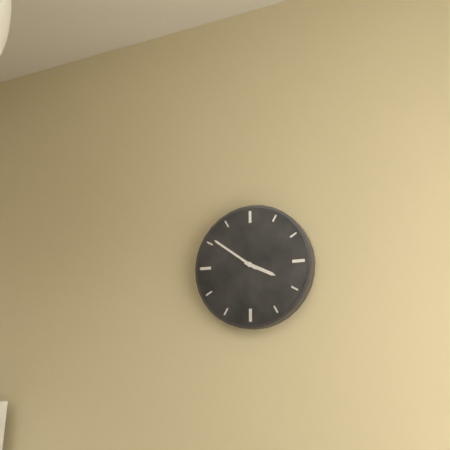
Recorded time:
3,51
